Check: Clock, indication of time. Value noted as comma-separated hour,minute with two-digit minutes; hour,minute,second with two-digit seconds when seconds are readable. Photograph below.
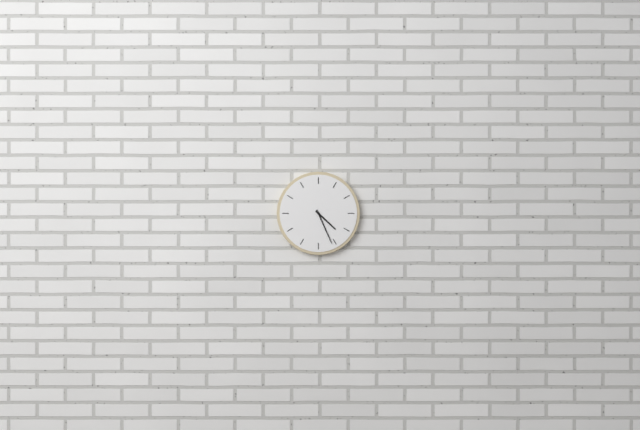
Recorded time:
4,26
